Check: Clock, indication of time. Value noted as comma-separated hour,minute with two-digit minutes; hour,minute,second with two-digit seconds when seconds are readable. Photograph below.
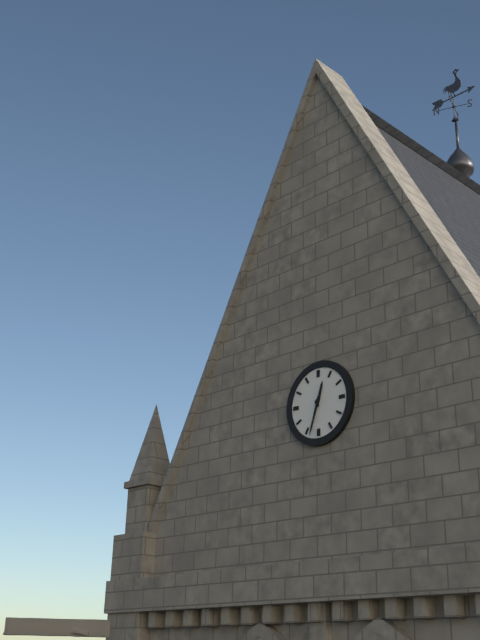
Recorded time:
12,33
